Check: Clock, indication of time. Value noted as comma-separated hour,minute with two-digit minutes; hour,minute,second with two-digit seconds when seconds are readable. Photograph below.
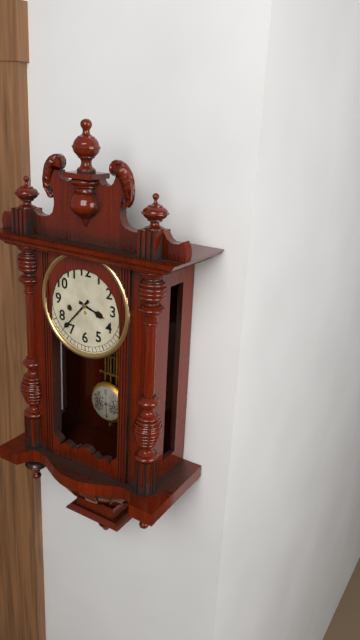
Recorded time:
3,37
